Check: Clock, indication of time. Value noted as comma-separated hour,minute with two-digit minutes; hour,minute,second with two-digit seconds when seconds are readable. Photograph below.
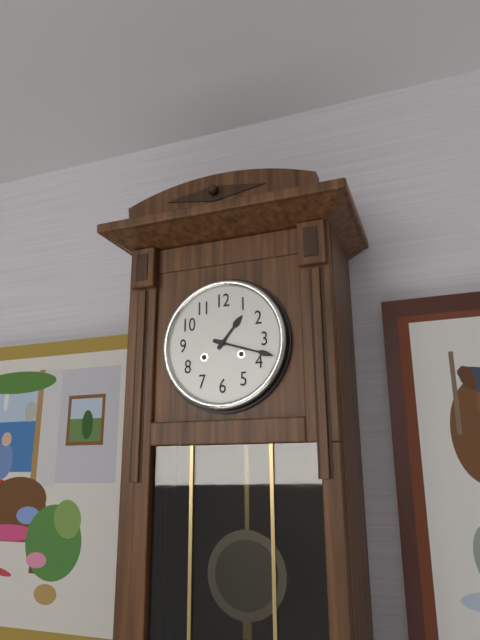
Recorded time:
1,18
